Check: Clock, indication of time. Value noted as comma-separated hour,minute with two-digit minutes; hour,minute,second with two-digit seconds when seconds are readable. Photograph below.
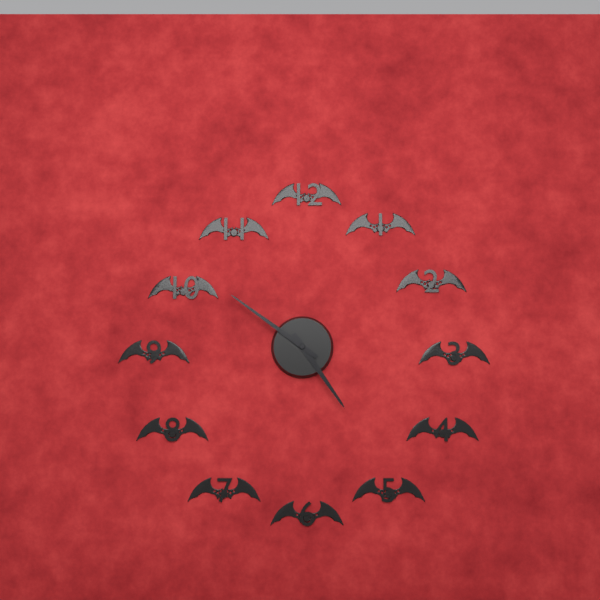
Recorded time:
4,51
